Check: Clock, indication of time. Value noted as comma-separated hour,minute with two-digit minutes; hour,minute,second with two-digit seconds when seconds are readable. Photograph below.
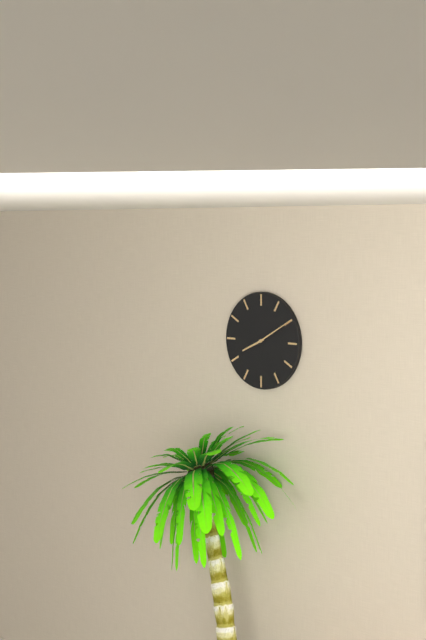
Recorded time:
8,10
